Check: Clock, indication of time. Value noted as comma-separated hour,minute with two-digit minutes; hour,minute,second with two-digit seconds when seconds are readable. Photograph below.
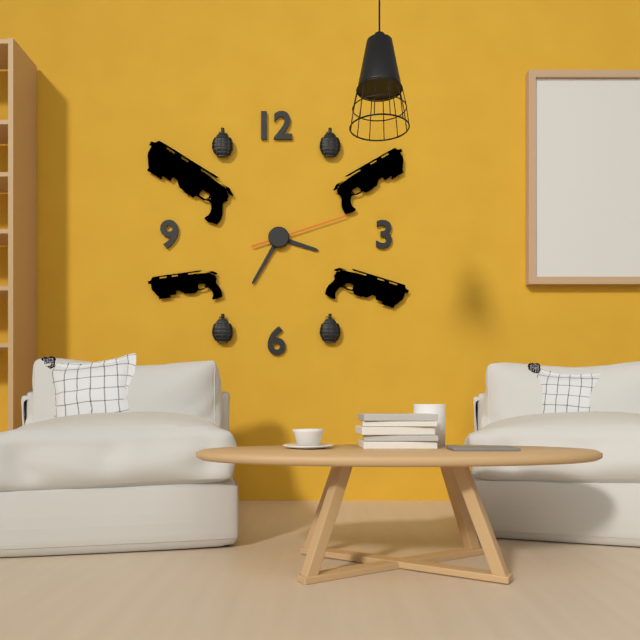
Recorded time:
3,35,12
